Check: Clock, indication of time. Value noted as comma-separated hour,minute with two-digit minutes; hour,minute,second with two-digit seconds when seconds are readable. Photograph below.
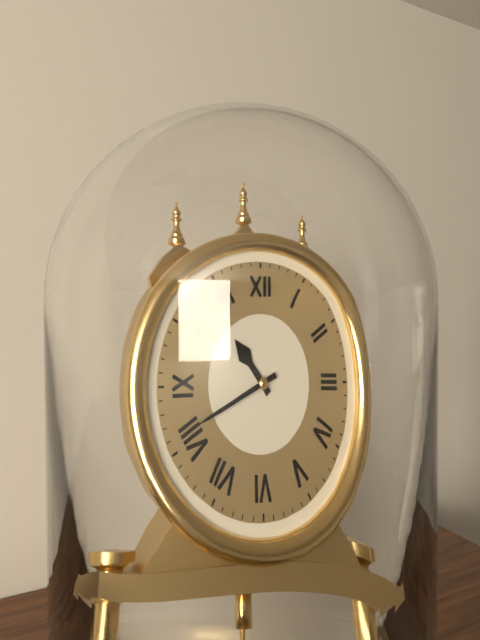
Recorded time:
10,41
